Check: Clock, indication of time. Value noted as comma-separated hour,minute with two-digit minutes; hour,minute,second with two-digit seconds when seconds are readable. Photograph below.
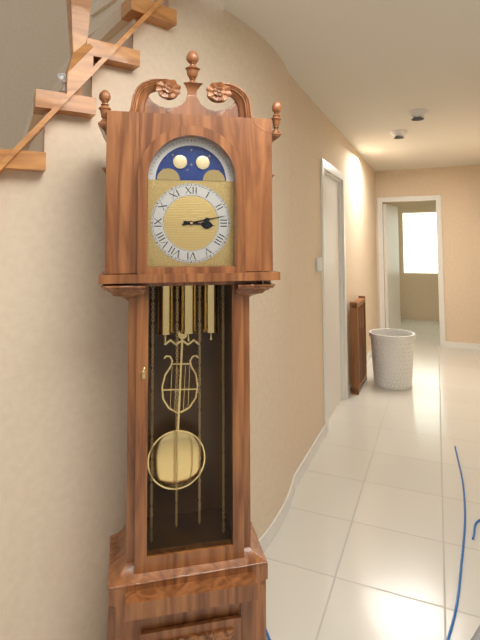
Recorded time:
3,13
